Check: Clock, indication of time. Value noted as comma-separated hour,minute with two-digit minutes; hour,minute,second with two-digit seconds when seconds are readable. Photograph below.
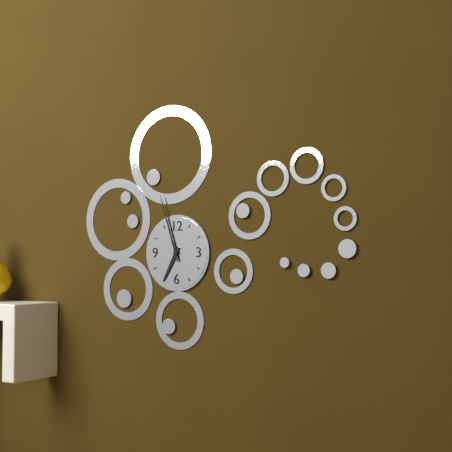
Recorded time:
6,57
